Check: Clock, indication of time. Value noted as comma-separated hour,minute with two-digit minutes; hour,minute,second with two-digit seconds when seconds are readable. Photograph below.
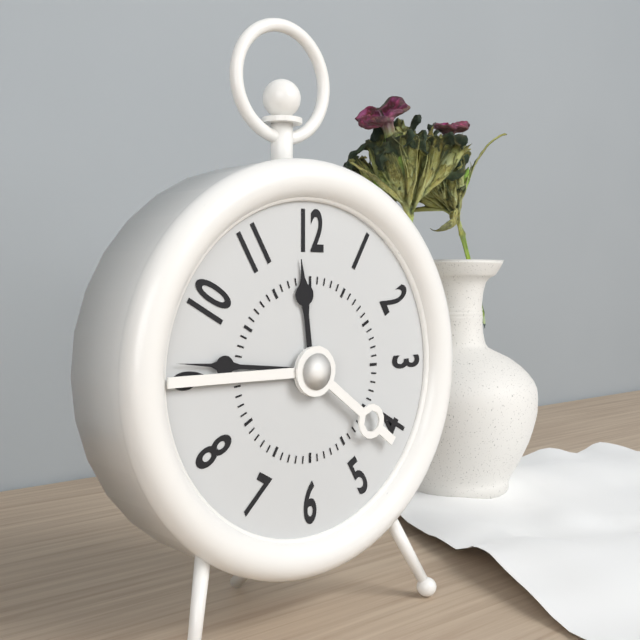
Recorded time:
11,46
